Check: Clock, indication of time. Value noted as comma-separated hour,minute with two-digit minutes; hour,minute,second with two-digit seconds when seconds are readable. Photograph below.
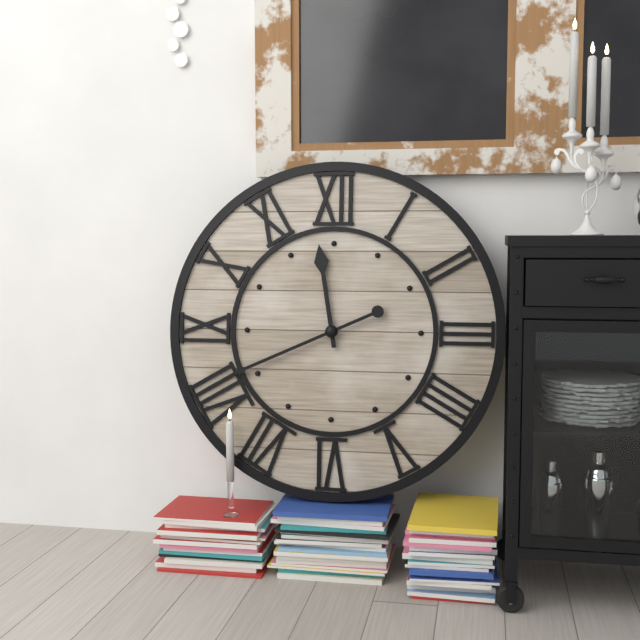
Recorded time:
11,41
